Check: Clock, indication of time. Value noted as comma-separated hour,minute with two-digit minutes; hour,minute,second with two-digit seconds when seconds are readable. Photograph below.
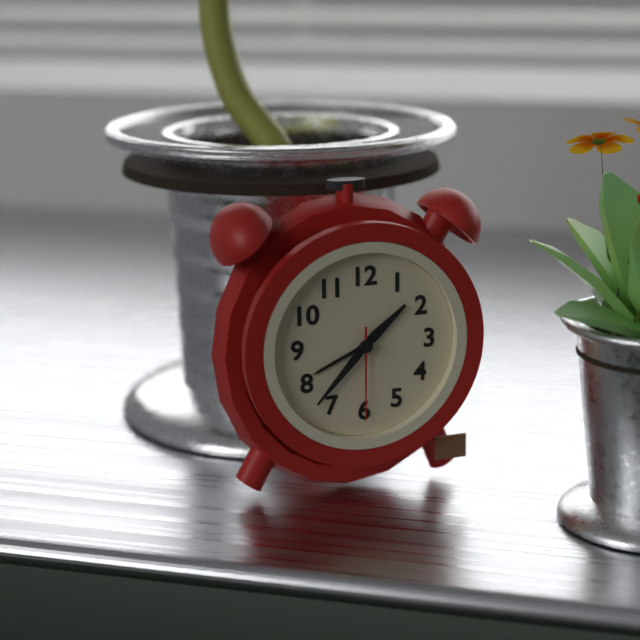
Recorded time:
1,37,30
